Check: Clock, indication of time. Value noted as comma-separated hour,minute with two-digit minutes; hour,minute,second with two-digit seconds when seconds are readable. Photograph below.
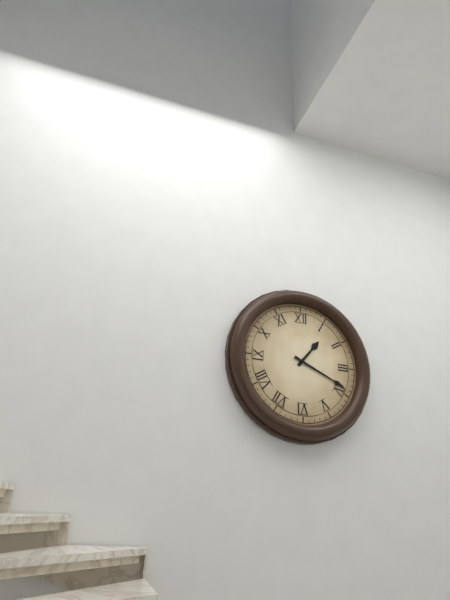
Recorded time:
1,19
